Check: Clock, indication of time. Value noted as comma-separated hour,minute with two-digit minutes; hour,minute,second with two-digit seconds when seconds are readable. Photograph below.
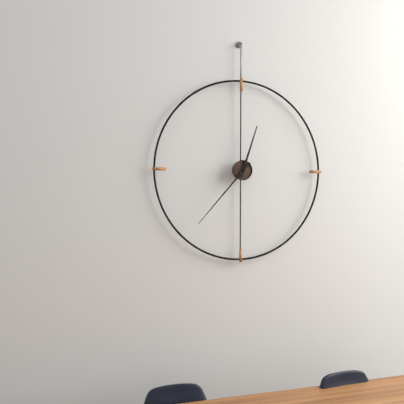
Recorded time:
12,37
